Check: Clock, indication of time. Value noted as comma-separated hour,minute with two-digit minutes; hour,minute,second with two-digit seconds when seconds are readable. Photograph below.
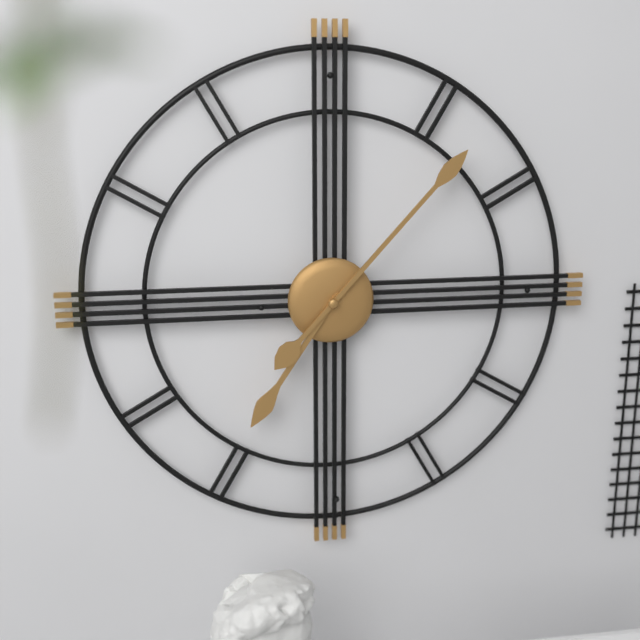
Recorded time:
7,07
